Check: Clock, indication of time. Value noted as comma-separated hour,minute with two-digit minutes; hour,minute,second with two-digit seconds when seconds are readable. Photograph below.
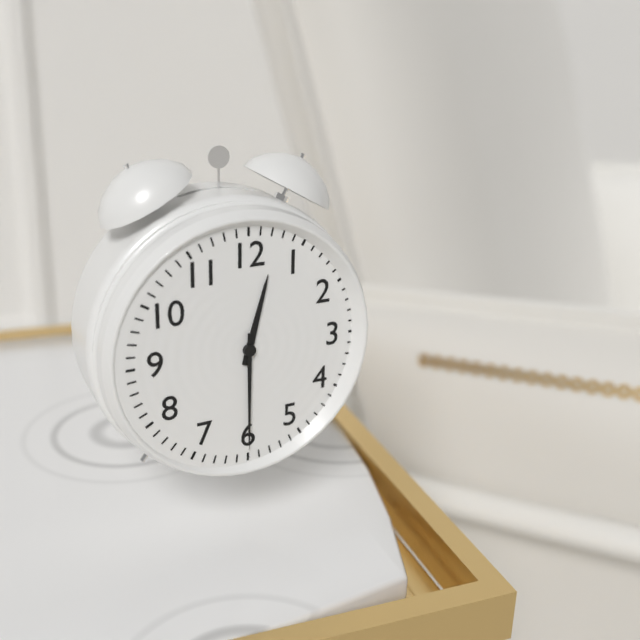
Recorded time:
12,30
